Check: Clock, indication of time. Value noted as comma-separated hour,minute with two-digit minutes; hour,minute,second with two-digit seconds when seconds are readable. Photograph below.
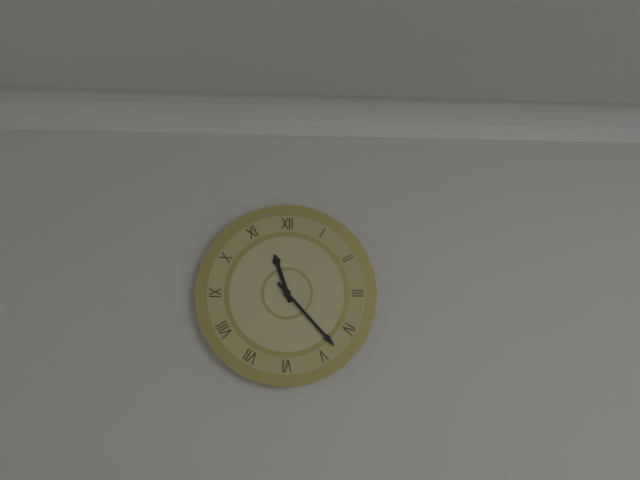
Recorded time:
11,23
